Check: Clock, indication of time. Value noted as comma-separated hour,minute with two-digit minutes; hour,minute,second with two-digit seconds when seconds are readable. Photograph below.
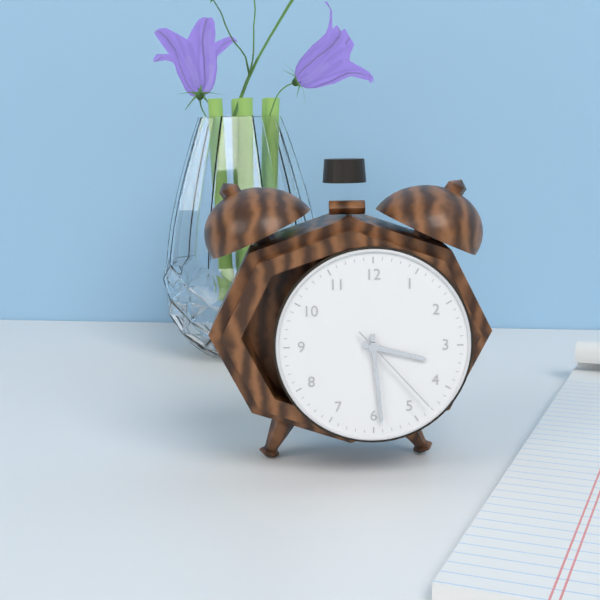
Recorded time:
3,29,23
